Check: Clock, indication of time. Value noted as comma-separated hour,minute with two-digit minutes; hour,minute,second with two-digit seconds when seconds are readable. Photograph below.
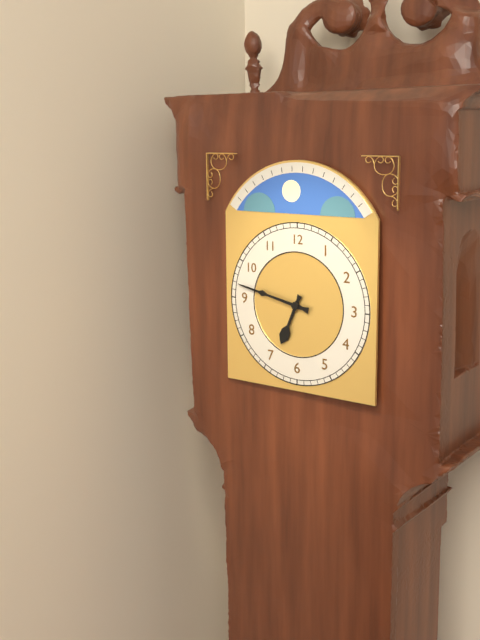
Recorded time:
6,47
